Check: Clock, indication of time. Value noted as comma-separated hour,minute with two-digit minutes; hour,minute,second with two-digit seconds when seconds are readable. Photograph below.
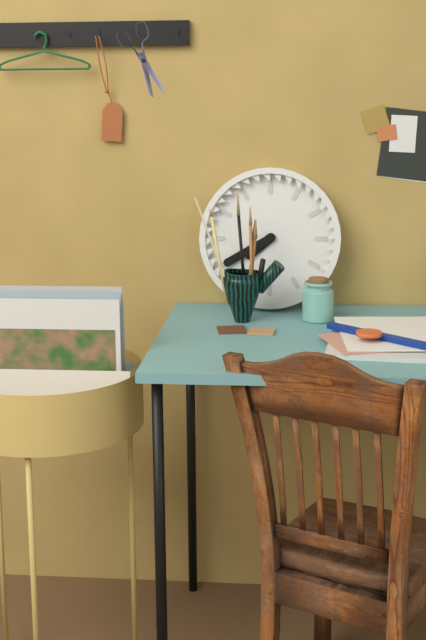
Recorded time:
7,40
